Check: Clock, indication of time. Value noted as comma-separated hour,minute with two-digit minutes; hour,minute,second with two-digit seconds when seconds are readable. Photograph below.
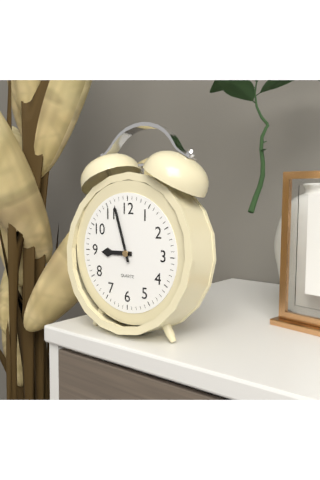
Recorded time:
8,57
